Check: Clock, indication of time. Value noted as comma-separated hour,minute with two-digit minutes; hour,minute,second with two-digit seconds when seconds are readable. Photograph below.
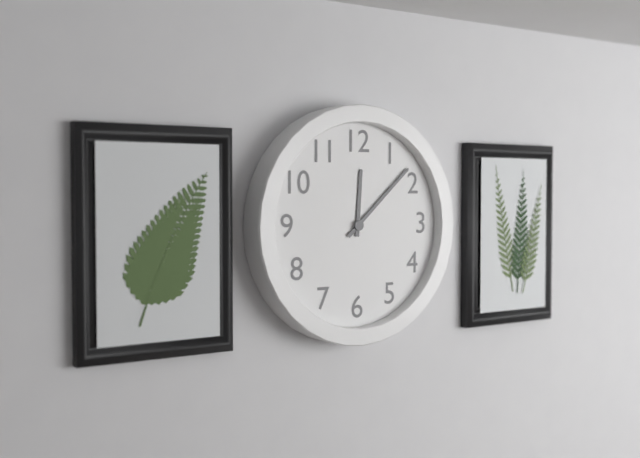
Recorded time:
12,08
